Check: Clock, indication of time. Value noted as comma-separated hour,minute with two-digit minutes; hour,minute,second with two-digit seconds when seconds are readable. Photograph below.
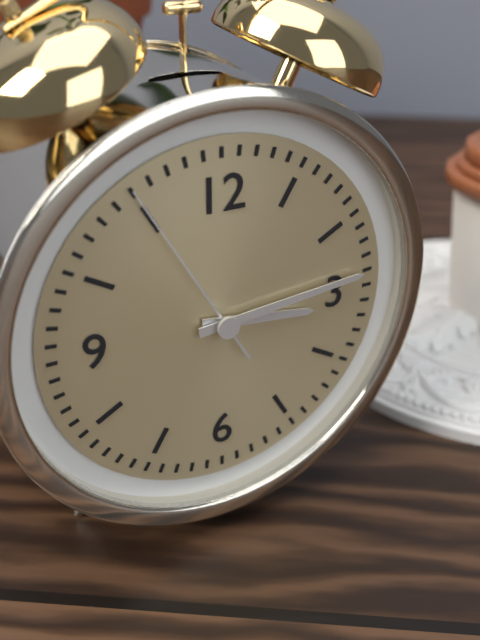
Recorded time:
3,14,55
